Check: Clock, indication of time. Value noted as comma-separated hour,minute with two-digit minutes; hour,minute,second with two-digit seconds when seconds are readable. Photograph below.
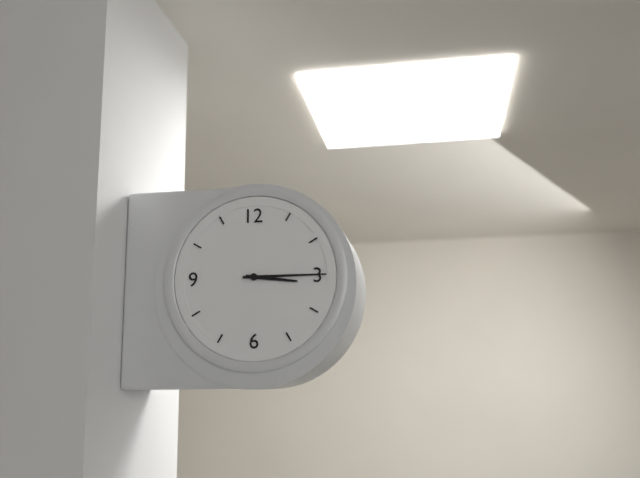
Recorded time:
3,15
